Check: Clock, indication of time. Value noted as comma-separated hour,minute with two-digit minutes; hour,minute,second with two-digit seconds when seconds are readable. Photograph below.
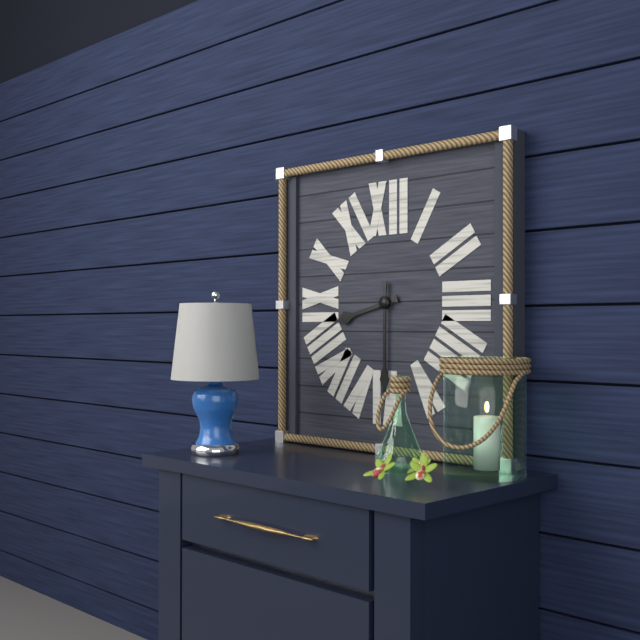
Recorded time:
8,30
